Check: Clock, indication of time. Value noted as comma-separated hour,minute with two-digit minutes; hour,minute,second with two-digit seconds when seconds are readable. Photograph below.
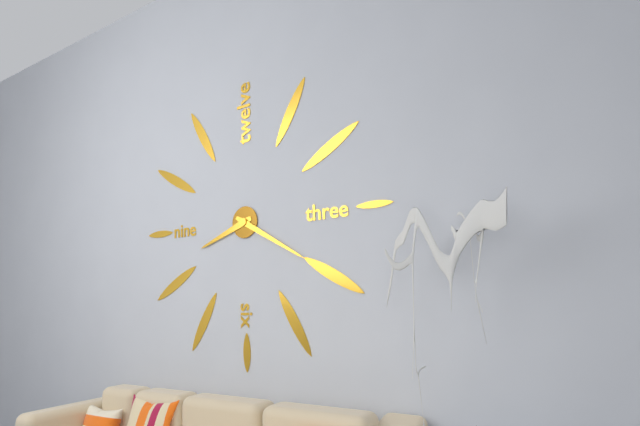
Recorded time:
8,20
